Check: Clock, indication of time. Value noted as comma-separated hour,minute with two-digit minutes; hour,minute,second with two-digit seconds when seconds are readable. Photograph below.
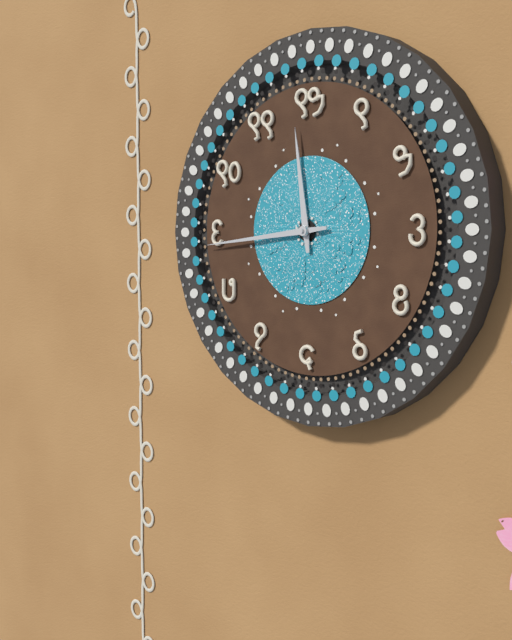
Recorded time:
11,44
